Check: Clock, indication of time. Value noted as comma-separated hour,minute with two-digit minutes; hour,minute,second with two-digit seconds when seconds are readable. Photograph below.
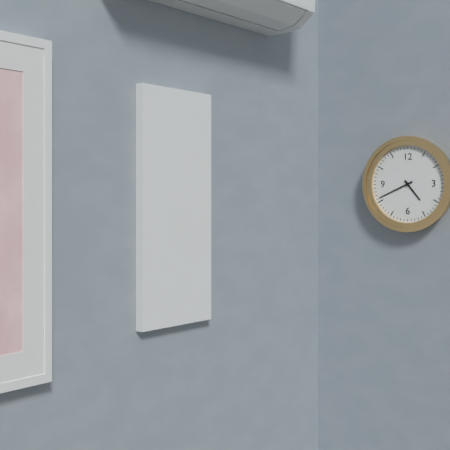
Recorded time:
4,41
